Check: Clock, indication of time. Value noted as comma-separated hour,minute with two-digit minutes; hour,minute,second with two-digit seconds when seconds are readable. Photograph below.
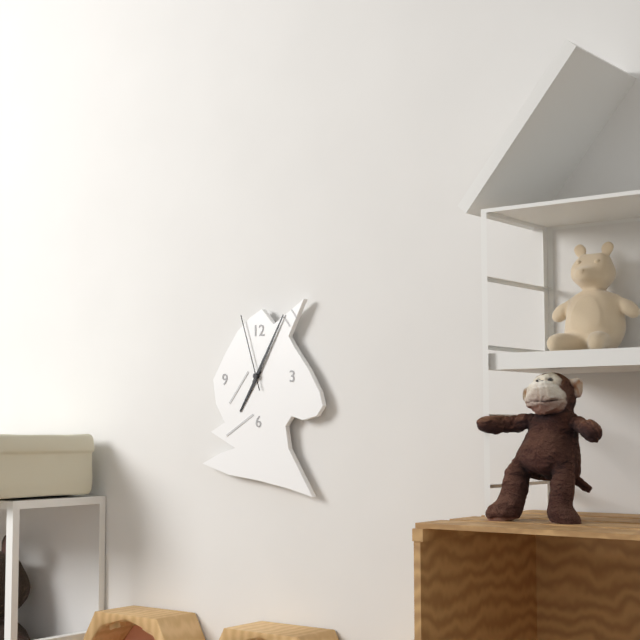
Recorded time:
7,05,57
